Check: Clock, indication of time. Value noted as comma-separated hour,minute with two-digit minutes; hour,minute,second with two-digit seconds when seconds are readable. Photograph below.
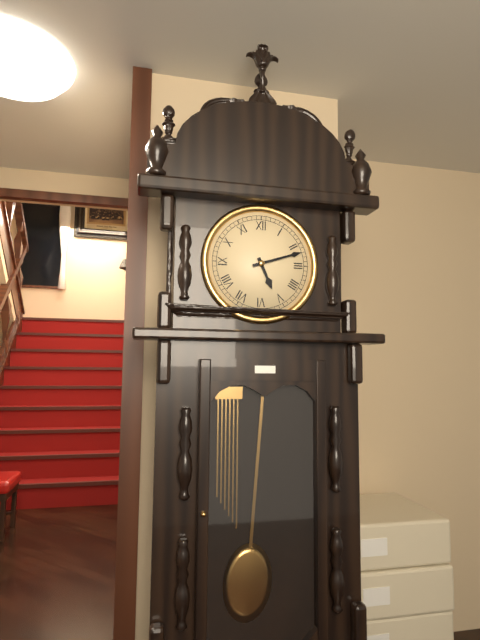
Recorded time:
5,12
